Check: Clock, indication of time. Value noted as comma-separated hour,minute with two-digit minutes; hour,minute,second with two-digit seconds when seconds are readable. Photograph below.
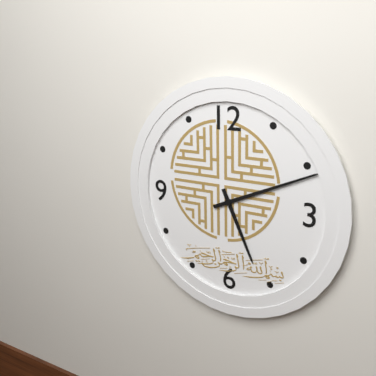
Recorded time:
5,11
